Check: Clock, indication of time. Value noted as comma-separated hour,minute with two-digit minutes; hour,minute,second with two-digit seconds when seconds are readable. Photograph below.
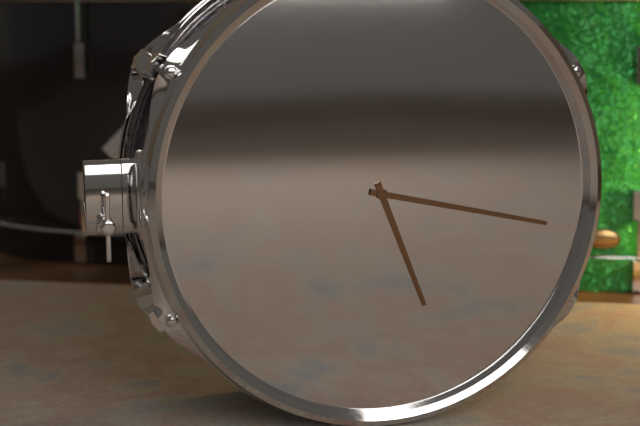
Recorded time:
5,17
